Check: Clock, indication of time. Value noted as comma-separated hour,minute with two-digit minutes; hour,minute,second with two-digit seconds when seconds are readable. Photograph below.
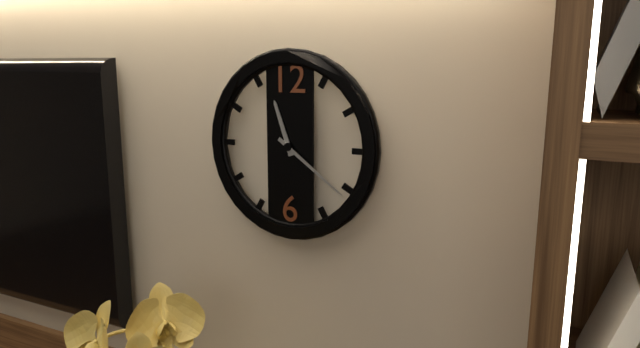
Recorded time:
11,21
